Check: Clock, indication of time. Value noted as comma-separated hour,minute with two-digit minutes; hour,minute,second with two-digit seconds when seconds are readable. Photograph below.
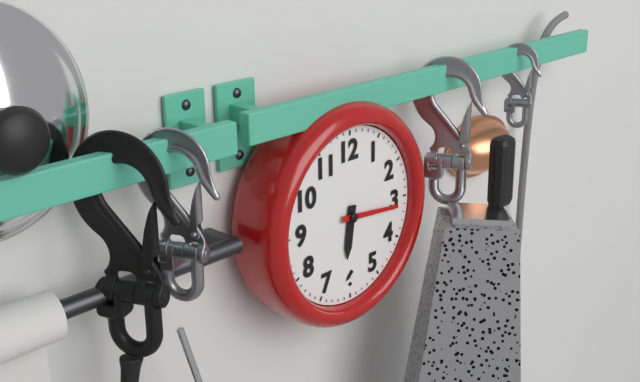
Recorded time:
6,16
